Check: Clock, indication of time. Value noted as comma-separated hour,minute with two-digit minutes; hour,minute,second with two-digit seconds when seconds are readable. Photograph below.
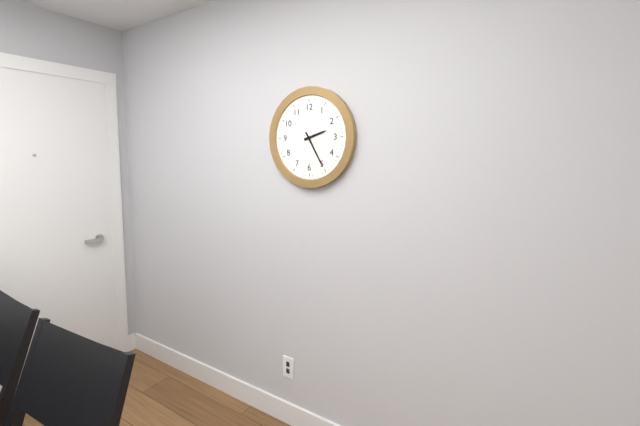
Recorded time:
2,25
